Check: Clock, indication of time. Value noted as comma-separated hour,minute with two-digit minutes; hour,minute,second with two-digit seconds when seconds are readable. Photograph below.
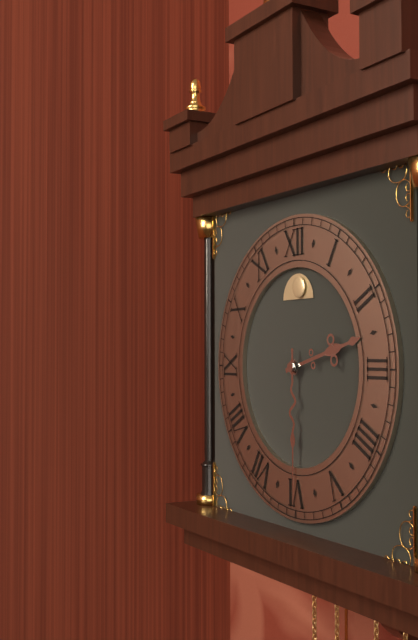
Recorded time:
2,30
